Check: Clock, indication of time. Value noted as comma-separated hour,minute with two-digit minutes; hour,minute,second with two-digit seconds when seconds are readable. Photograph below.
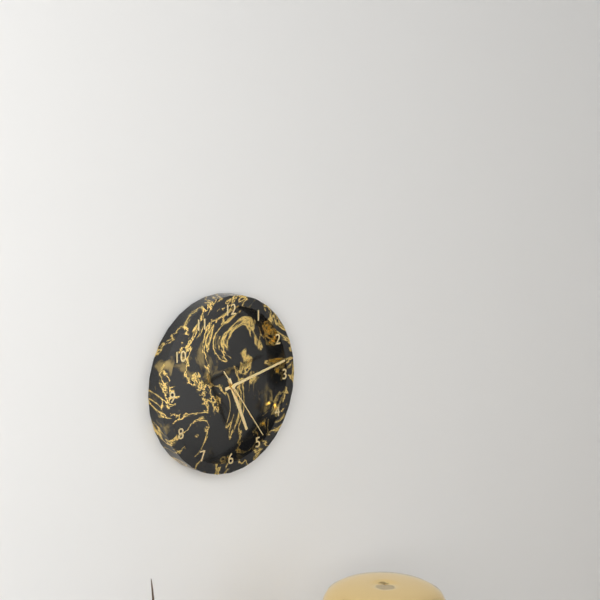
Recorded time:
5,13,24
